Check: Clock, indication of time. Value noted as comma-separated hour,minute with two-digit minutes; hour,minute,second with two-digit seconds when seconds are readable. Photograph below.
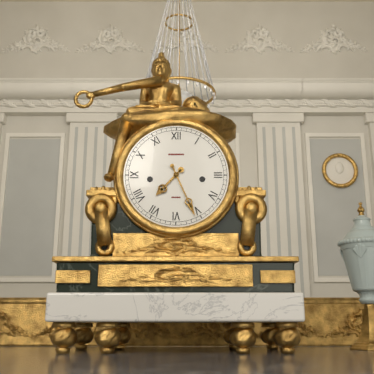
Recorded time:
7,26
